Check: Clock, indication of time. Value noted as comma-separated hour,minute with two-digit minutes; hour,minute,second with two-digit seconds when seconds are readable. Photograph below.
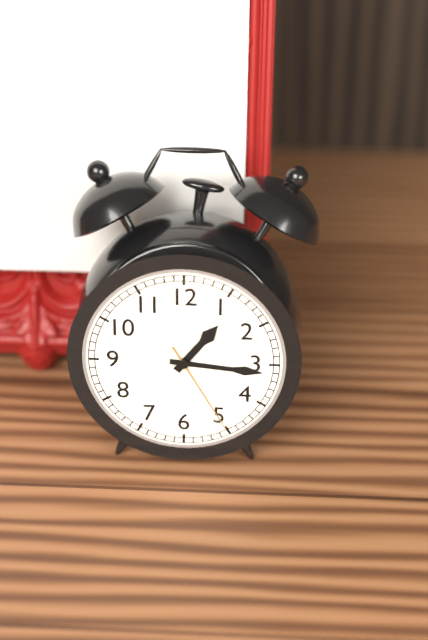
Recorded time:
1,16,25
